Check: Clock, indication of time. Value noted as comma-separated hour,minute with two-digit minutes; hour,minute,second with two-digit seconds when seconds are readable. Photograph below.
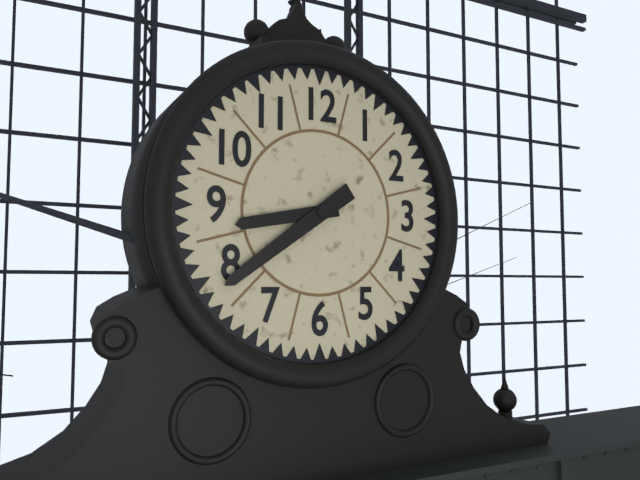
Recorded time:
8,39
